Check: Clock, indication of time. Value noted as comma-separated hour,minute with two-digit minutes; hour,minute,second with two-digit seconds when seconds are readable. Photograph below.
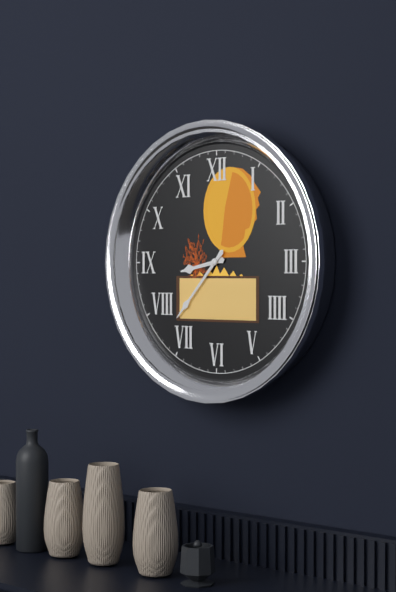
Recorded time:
8,37
